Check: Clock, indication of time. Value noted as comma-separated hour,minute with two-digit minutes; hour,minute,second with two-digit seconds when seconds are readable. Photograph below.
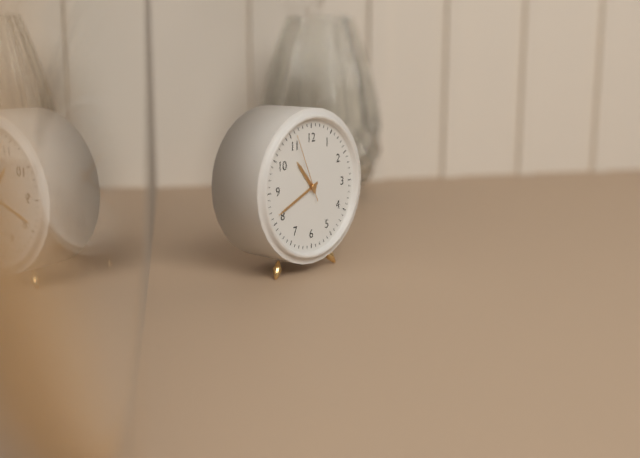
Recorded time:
10,41,56
